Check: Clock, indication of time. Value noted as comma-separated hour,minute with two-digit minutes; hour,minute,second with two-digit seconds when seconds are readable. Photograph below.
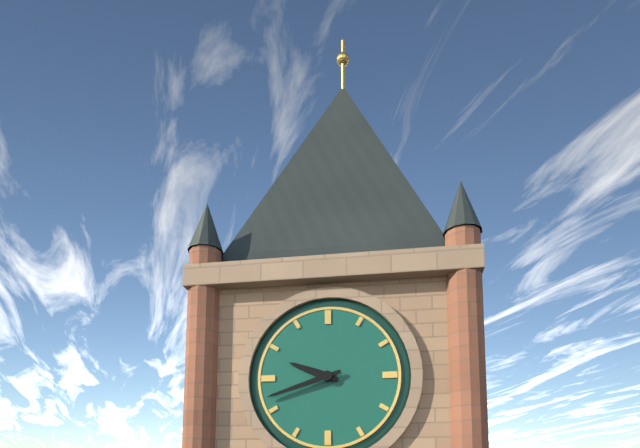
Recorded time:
9,42
